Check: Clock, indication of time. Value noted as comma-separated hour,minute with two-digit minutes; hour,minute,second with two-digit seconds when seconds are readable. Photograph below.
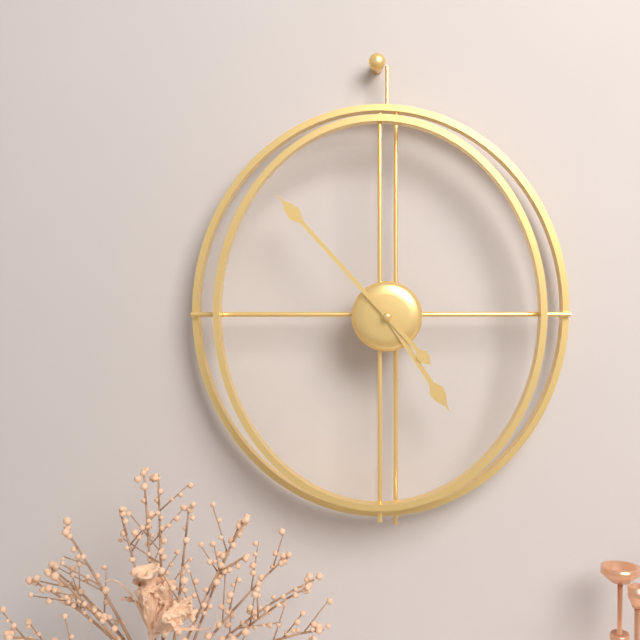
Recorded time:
4,53
